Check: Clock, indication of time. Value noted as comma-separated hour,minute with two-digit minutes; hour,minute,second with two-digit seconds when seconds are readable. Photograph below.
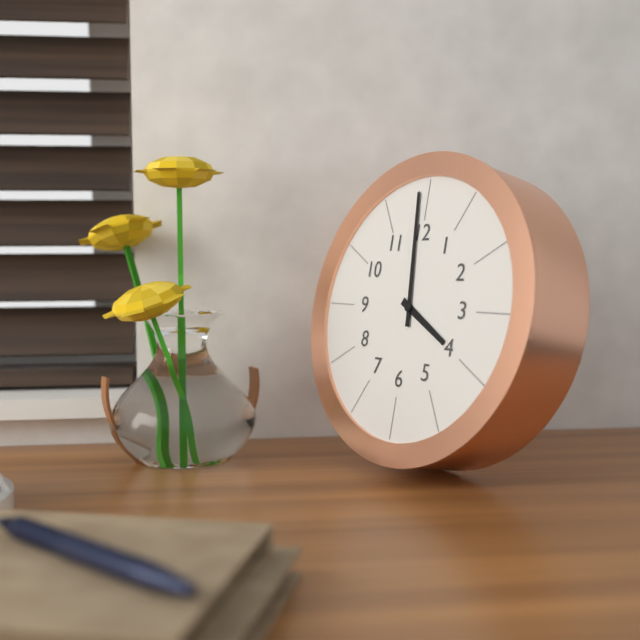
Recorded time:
3,59
